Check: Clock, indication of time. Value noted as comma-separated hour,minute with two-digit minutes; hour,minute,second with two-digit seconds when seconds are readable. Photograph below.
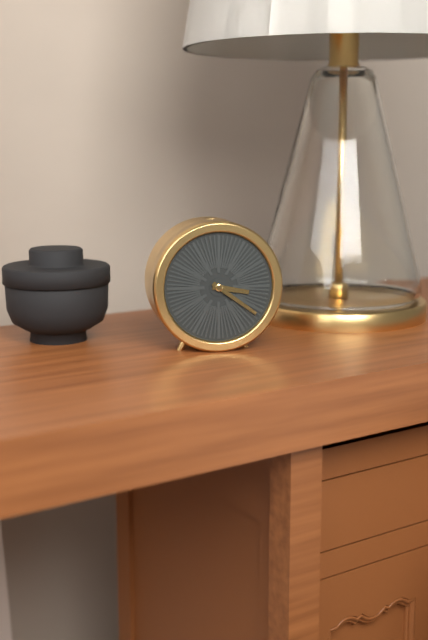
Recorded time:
3,21
